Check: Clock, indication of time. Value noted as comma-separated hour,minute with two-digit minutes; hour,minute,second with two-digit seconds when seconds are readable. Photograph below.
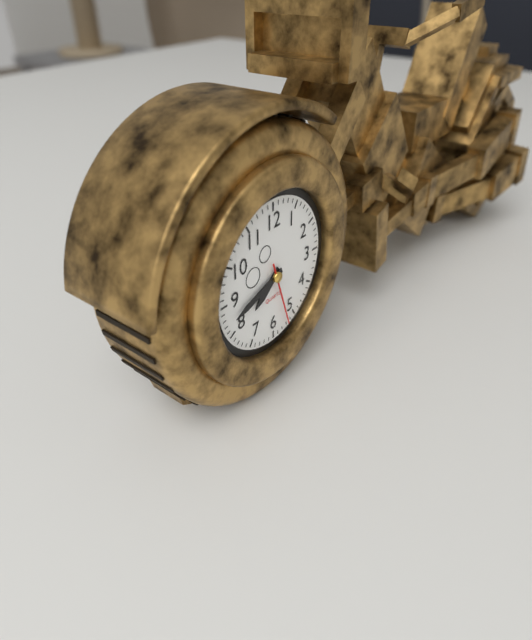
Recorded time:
7,42,27
